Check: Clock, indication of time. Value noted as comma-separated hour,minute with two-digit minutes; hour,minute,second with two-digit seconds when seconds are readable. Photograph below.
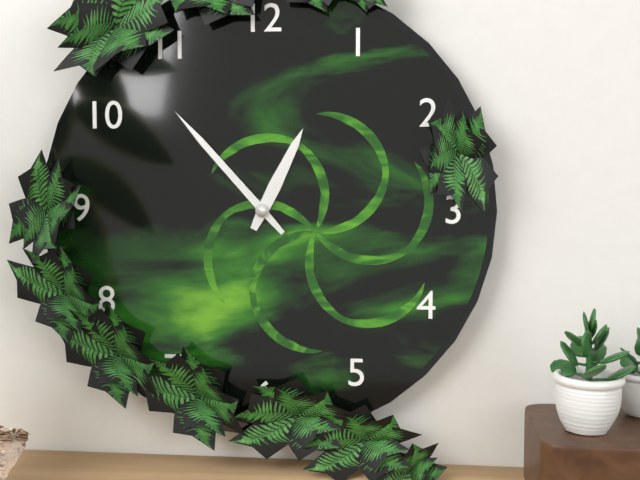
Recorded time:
12,53
